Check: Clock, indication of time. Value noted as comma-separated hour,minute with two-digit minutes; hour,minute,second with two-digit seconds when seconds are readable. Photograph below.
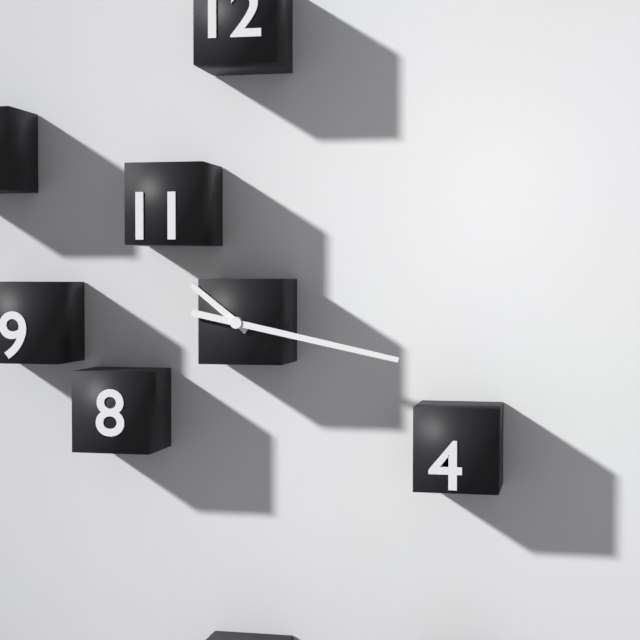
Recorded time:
10,17
